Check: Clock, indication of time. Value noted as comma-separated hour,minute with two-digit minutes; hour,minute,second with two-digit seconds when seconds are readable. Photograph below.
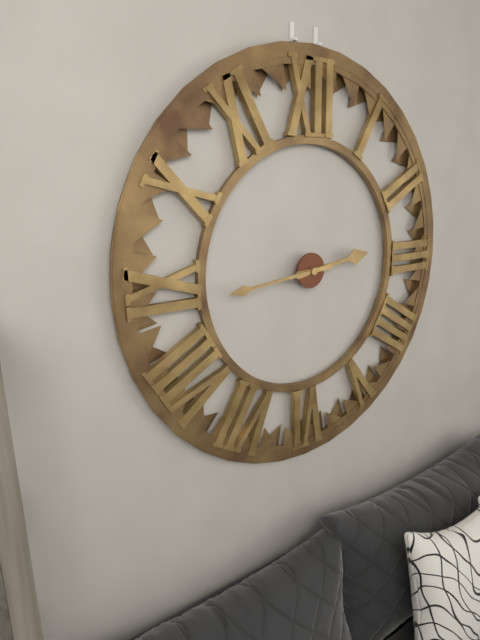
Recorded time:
2,44
